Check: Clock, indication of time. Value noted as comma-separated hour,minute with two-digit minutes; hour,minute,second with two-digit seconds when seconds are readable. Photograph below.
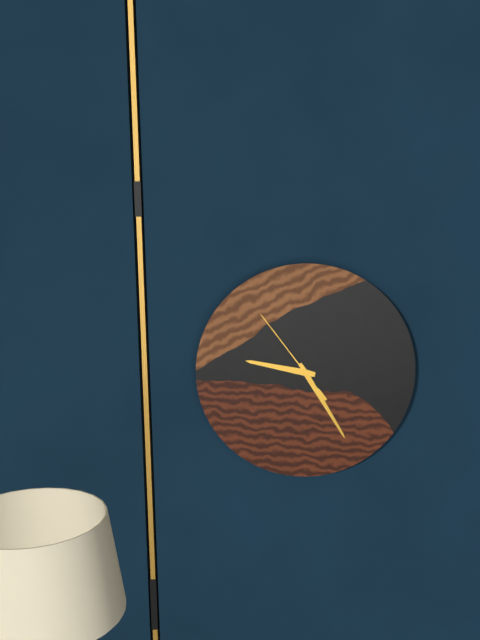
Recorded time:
9,25,54
